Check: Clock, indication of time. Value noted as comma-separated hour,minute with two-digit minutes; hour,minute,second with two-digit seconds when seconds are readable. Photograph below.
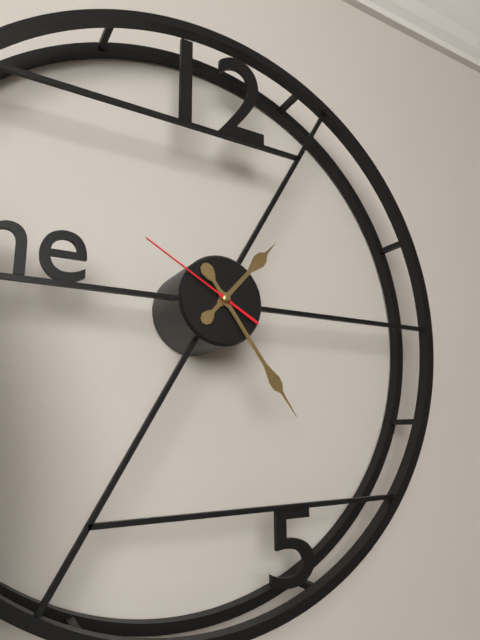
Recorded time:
1,24,50
